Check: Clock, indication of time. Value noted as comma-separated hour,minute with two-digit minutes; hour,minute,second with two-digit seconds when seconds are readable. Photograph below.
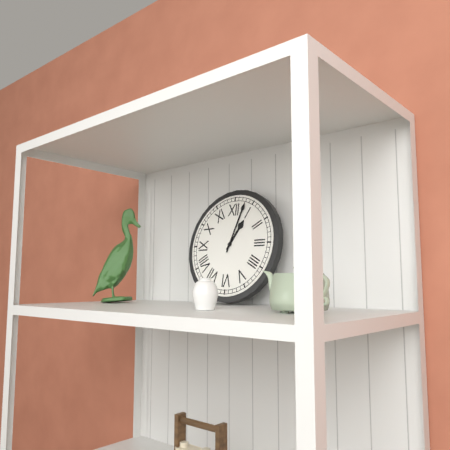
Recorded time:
1,03
